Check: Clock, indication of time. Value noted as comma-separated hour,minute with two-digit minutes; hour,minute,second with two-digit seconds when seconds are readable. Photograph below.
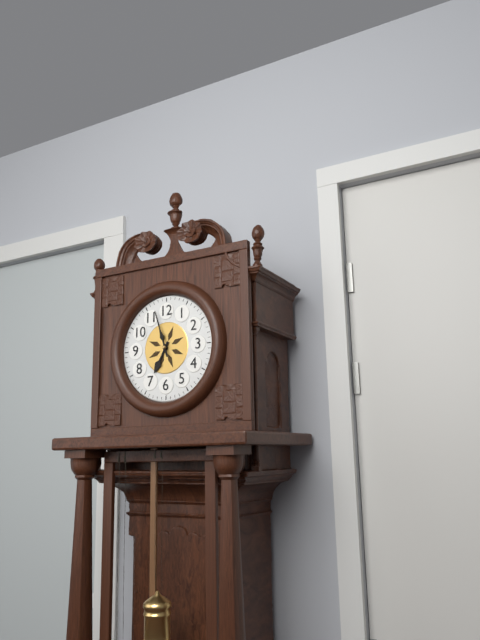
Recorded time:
6,57
